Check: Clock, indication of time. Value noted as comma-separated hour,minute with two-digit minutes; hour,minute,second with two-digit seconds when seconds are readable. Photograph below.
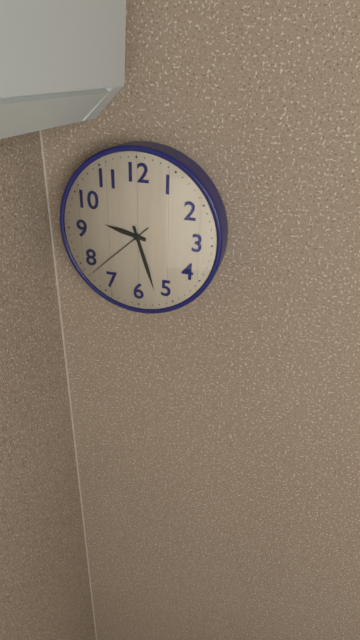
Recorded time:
9,27,38
